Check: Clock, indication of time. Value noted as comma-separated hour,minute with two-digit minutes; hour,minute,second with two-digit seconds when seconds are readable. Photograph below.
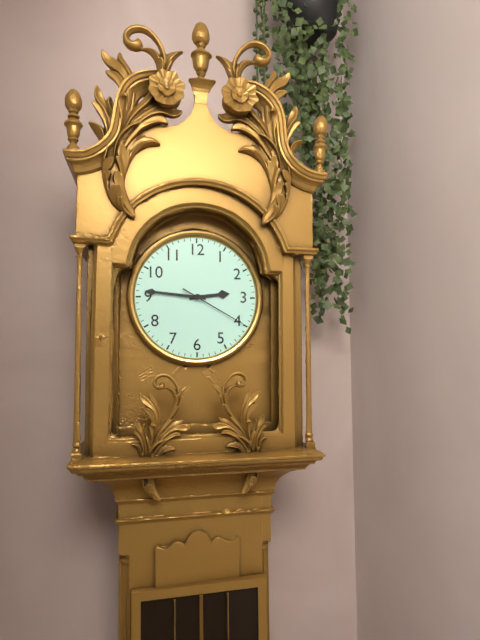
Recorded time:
2,46,20
